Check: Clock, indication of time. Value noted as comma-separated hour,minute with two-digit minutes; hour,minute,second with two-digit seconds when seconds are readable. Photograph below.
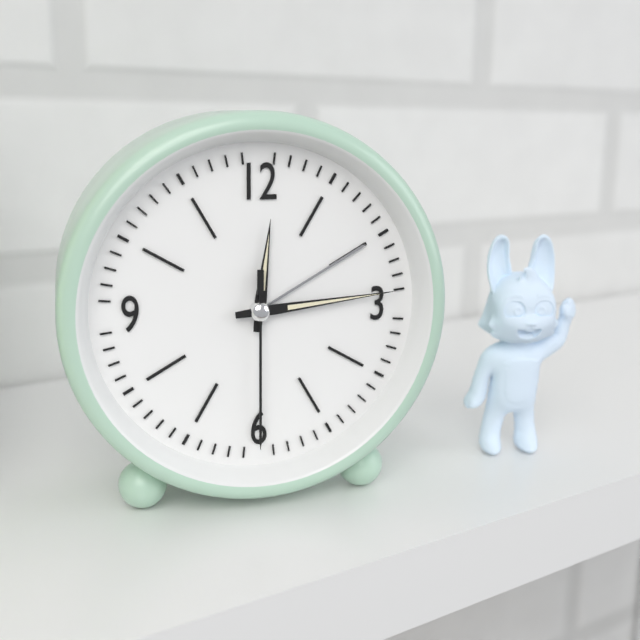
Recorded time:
12,14,30
